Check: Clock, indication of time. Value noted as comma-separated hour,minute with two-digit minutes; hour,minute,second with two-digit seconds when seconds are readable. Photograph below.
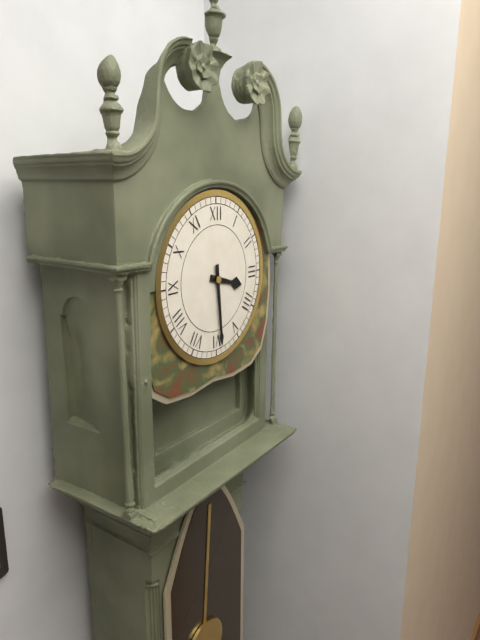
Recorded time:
3,29
